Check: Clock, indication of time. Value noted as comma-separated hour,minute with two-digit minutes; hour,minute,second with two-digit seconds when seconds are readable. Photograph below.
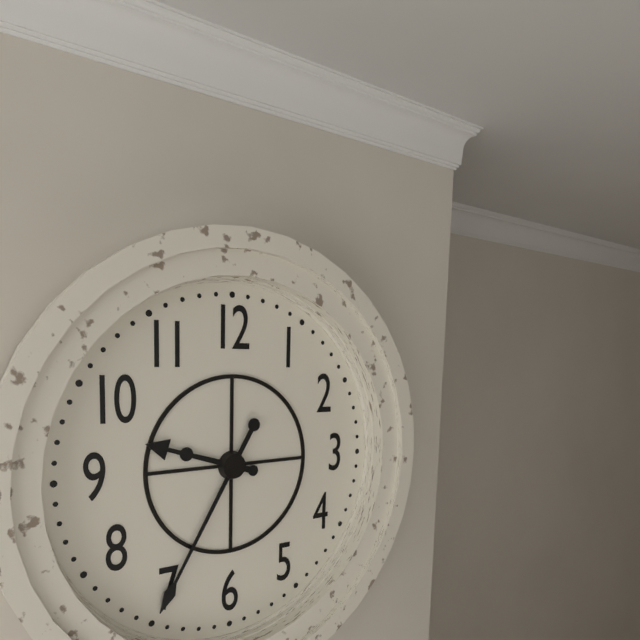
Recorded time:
9,35
